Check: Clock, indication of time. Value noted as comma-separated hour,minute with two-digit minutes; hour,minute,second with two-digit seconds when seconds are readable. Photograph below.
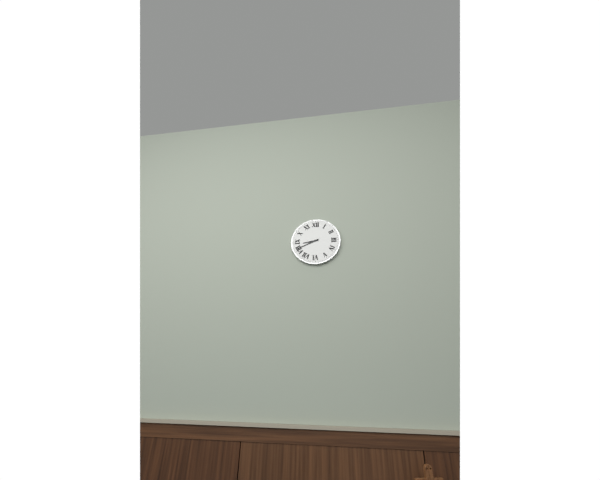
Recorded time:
8,41
